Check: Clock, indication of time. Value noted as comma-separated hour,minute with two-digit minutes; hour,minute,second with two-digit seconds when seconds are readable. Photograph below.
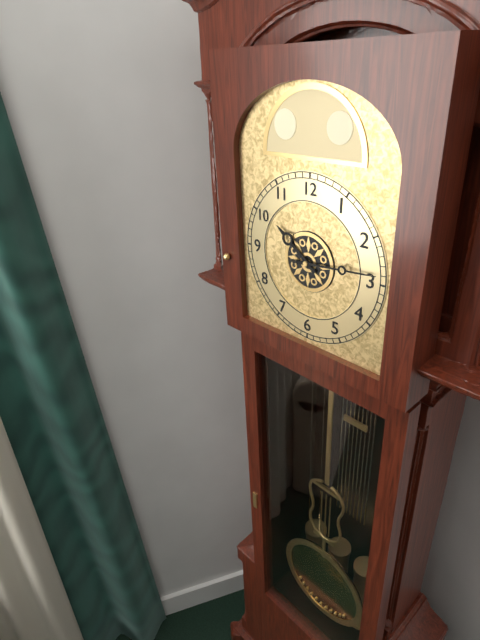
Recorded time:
10,14
